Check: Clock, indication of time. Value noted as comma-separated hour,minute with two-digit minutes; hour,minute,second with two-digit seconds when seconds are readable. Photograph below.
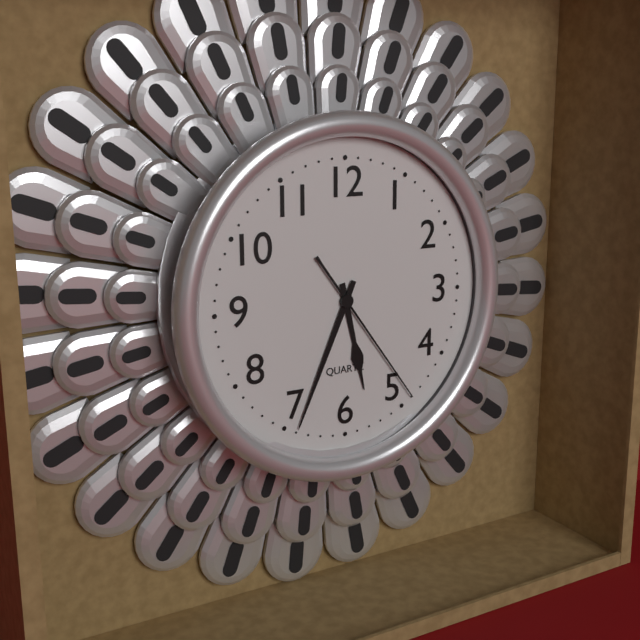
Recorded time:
5,34,24
